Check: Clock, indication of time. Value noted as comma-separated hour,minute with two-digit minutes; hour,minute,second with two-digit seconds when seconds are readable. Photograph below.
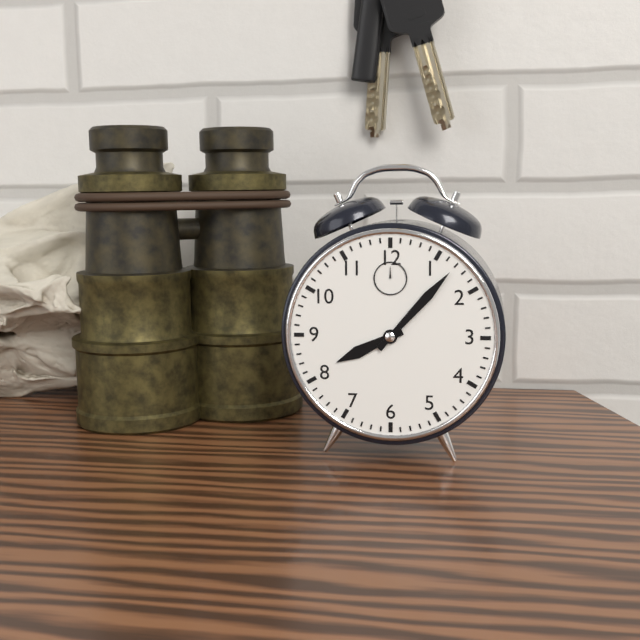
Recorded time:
8,07
